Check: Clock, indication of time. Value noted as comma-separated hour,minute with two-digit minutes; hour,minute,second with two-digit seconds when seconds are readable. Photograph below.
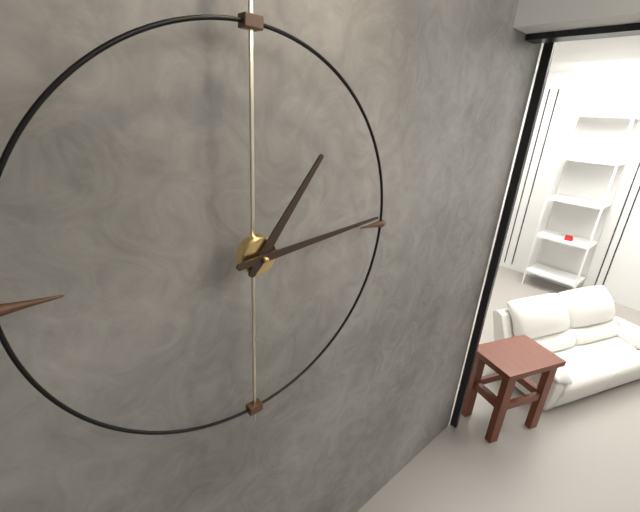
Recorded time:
1,14
